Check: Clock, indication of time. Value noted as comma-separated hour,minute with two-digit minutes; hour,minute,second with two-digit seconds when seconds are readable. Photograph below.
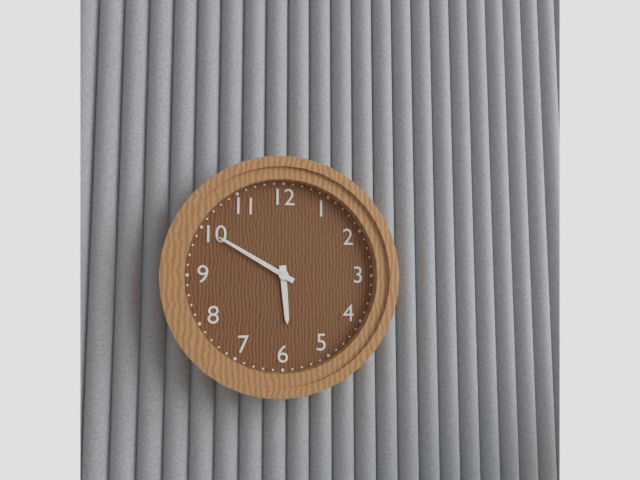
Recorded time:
5,50
